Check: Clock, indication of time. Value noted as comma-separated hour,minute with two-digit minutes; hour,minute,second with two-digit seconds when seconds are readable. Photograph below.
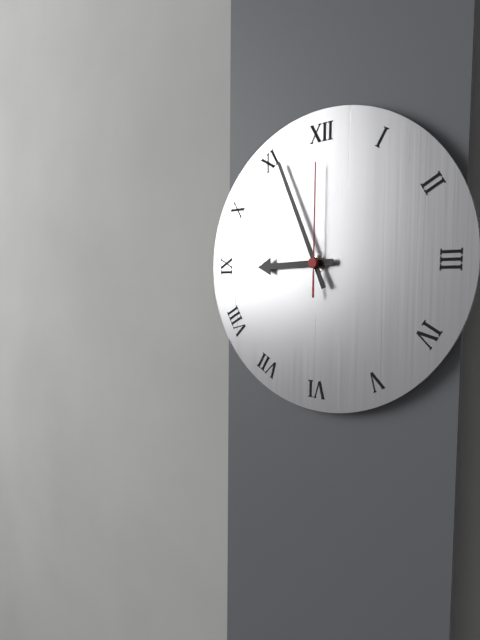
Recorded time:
8,56,00
